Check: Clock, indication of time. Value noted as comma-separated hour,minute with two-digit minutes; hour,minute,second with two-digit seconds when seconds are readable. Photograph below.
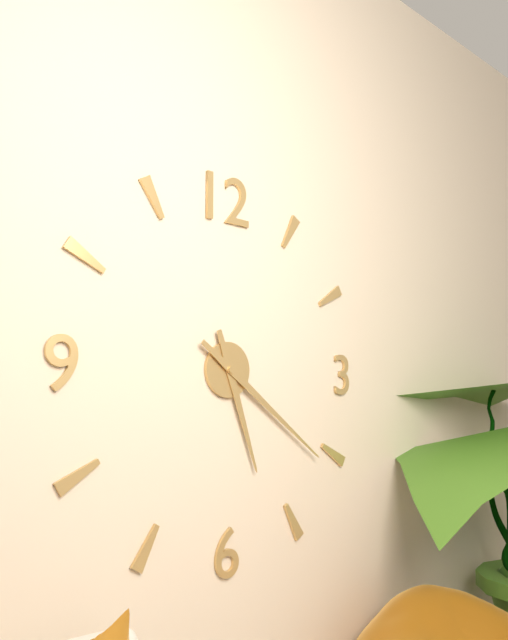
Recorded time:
5,21
